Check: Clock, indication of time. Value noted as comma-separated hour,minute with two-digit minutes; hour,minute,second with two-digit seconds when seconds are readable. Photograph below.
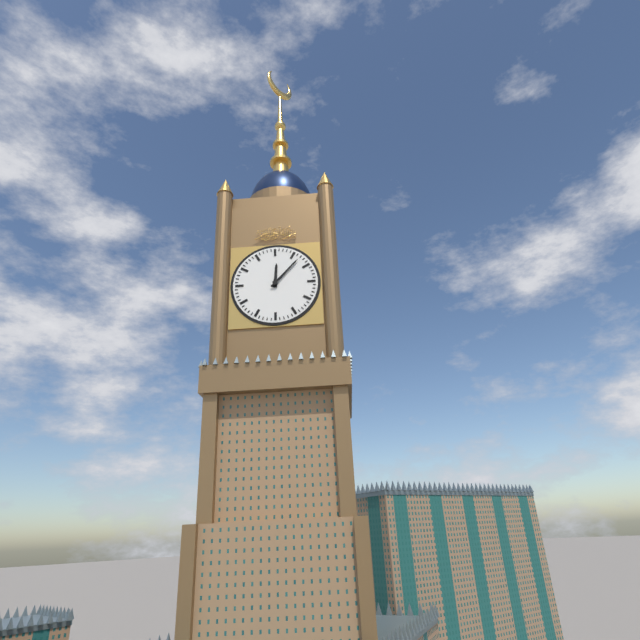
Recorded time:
12,07
